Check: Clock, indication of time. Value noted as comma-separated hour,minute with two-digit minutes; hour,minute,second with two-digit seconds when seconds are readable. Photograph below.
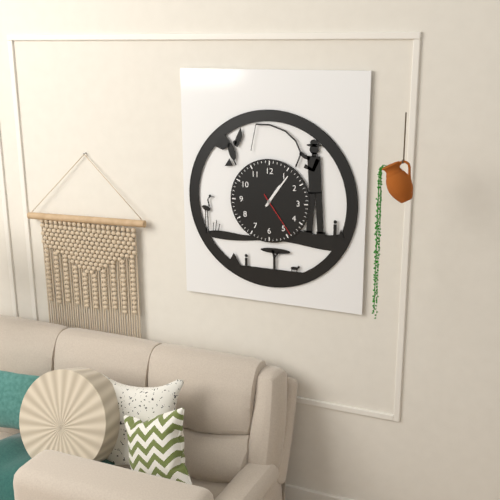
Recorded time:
1,06
